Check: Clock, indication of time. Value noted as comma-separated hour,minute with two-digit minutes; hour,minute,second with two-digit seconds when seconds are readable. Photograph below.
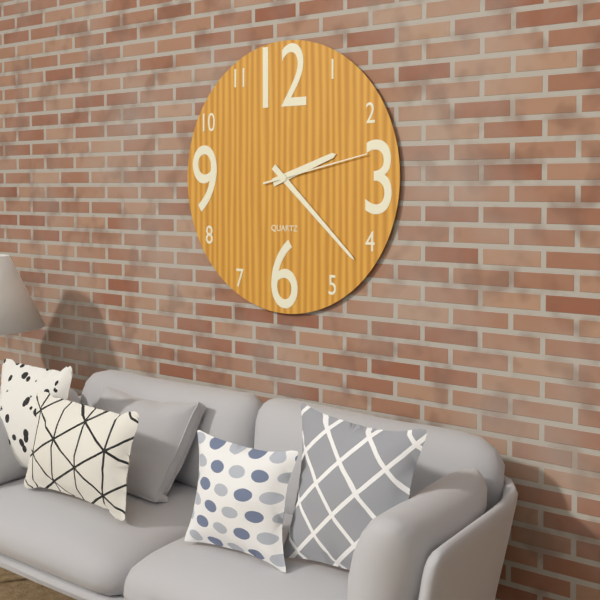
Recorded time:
2,22,13
